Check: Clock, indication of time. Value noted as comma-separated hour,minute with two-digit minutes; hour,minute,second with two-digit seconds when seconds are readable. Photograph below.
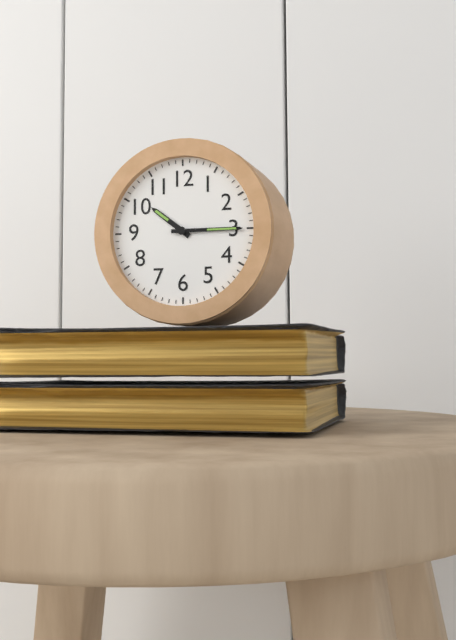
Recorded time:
10,15
